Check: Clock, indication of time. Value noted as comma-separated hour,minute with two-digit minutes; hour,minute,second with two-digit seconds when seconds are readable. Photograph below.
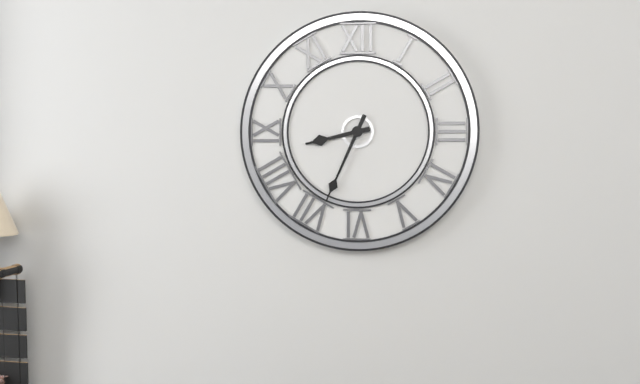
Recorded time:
8,34
